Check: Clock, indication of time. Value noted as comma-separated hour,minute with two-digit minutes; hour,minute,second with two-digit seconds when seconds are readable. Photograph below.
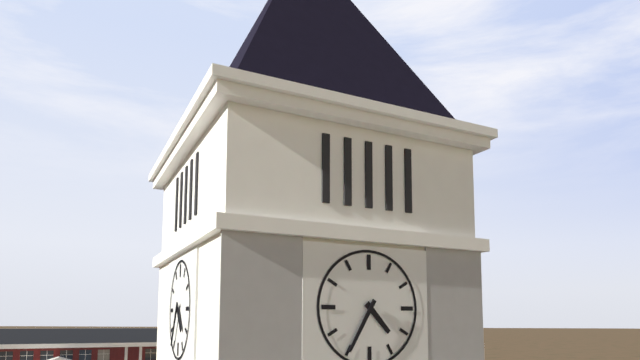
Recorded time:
4,35
